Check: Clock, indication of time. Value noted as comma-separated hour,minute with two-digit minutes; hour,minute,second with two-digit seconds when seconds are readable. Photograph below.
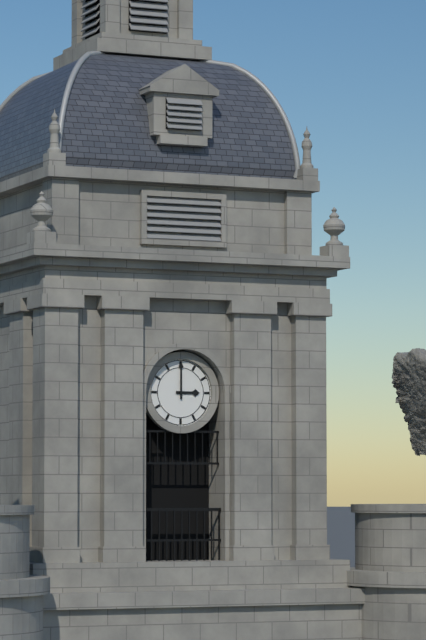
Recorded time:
3,00
